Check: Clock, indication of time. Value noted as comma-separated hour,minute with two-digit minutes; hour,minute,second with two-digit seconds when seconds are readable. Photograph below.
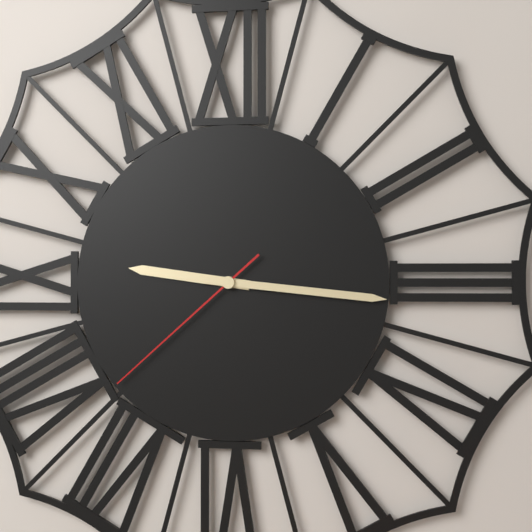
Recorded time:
9,16,38
